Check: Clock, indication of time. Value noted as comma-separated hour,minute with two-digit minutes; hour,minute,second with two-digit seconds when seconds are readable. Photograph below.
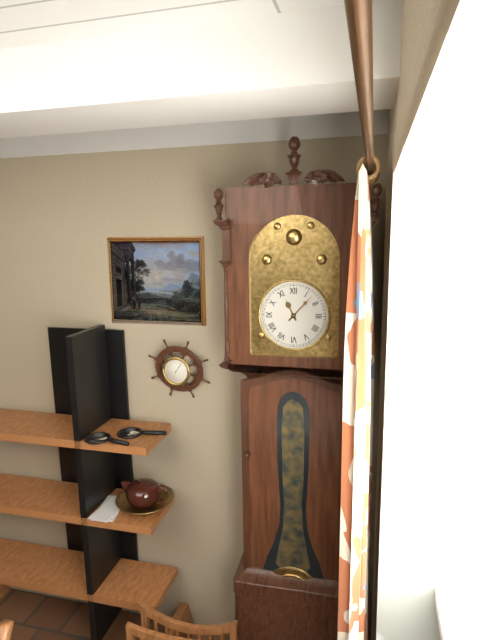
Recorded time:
11,07
